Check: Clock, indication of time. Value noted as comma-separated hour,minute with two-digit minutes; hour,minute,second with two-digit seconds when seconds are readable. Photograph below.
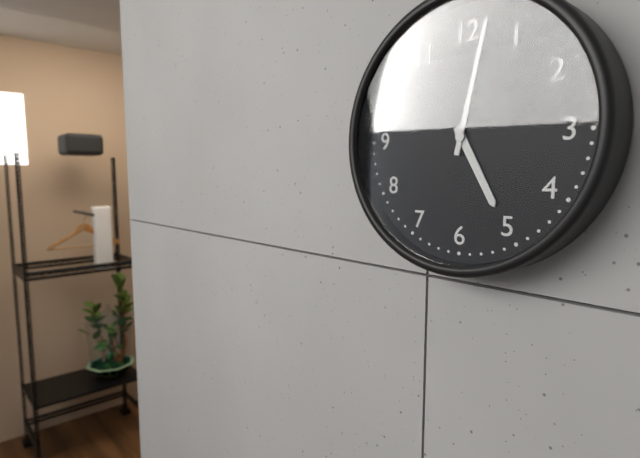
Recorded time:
5,02
